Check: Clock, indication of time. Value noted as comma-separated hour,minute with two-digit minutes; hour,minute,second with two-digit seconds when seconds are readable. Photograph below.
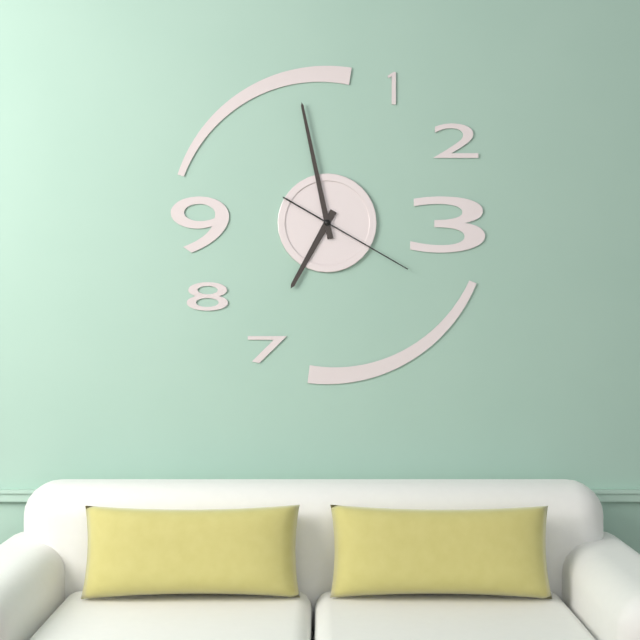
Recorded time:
6,58,20
